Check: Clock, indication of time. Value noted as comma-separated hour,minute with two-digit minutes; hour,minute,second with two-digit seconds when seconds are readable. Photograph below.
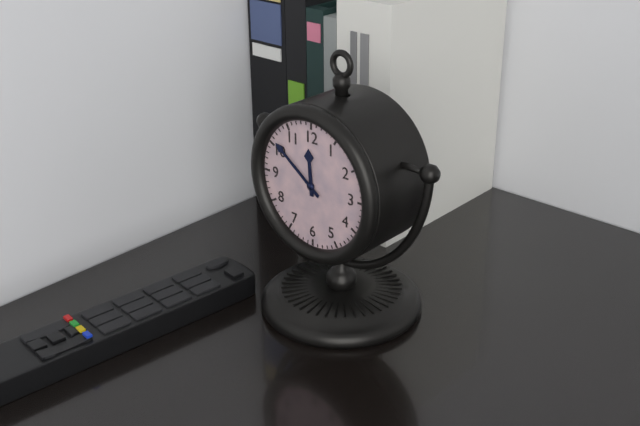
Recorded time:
11,51
